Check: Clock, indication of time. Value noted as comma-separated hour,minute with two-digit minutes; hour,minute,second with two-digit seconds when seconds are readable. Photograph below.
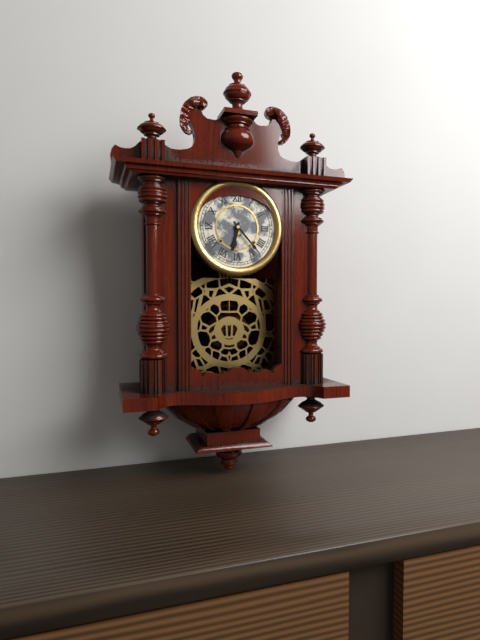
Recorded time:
6,23
